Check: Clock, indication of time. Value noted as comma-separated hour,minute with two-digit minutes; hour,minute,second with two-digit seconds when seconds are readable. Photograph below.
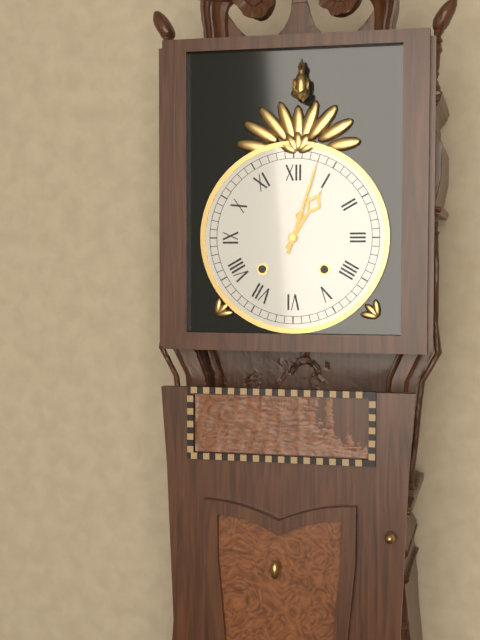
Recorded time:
1,03
